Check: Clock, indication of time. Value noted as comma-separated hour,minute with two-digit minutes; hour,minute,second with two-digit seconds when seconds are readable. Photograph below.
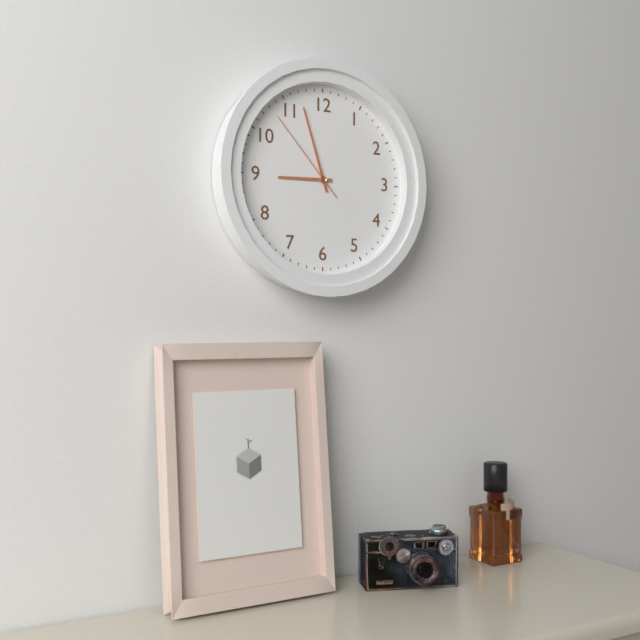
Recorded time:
8,57,53
